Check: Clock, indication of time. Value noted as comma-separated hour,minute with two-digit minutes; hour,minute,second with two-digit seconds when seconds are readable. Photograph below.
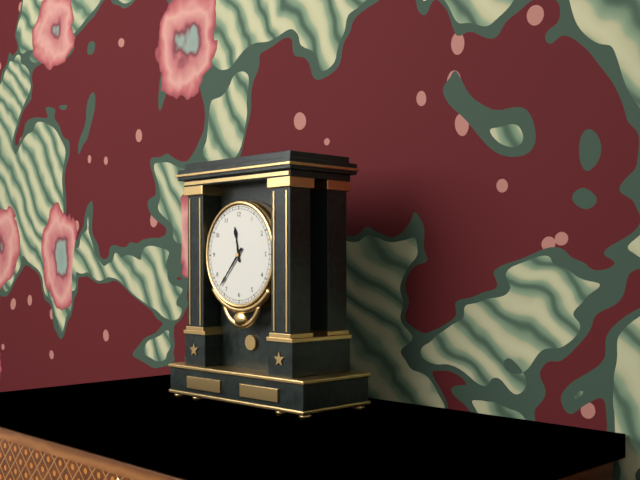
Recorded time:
11,37
